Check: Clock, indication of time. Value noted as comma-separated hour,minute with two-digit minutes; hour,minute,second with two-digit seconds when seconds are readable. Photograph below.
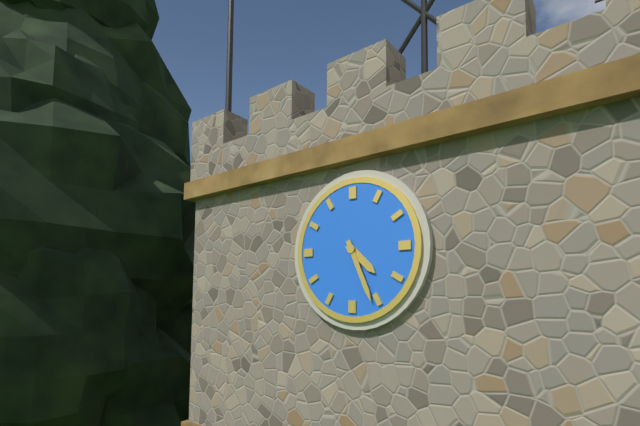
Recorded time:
4,26
